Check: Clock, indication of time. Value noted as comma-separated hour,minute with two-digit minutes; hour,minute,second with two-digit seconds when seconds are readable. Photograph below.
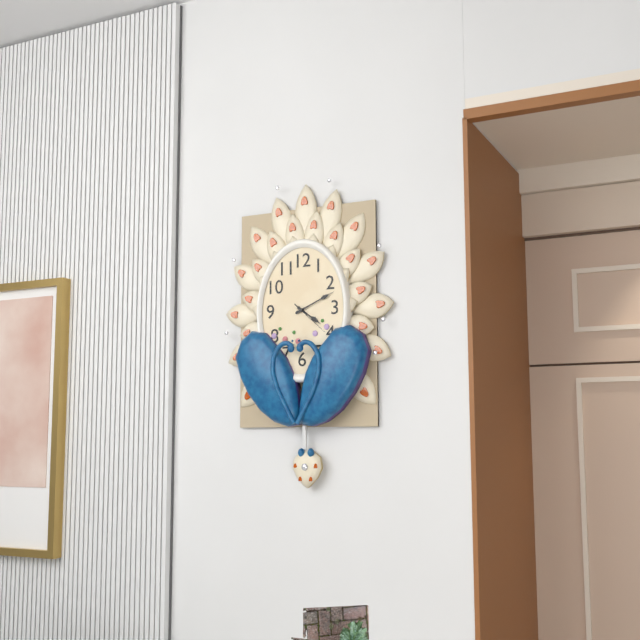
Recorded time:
4,11
